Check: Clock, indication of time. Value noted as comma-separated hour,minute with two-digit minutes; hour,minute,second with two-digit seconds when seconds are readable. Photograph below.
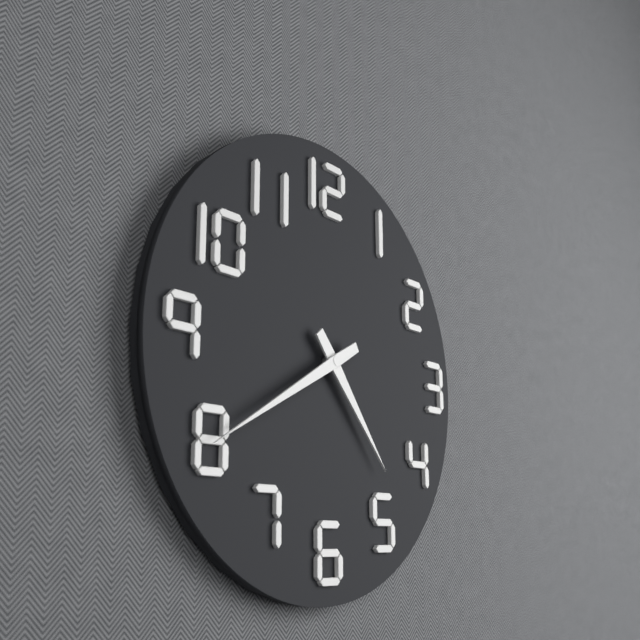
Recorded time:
4,40
